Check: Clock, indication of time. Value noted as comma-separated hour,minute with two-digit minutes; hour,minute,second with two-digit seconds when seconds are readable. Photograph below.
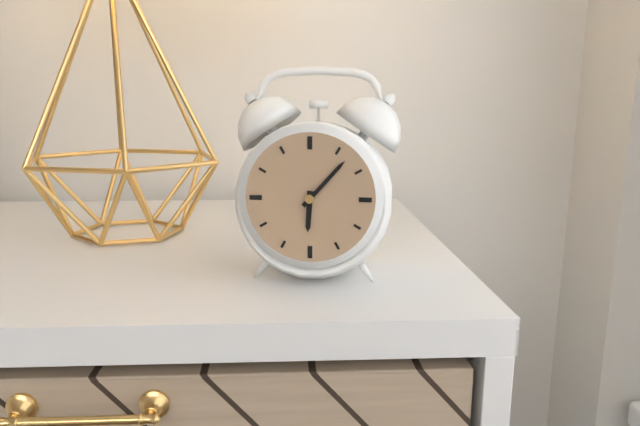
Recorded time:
6,07
